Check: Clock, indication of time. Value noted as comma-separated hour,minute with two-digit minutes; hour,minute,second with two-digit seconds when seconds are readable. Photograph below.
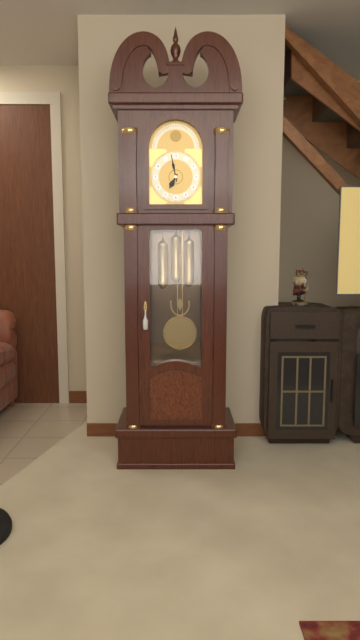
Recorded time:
6,58
